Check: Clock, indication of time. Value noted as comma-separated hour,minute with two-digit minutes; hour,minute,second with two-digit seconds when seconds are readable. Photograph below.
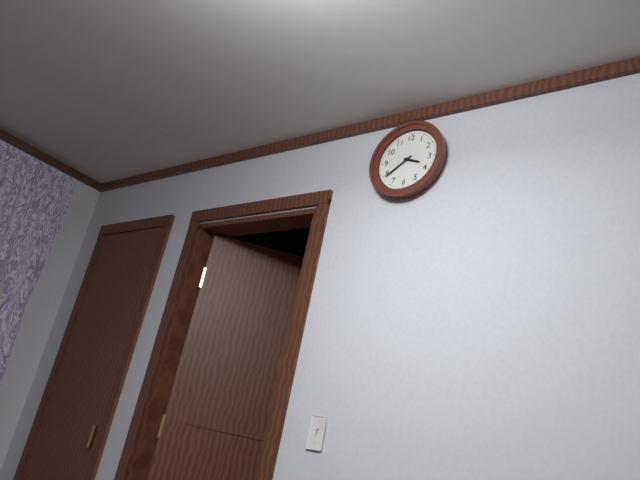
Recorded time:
3,39
